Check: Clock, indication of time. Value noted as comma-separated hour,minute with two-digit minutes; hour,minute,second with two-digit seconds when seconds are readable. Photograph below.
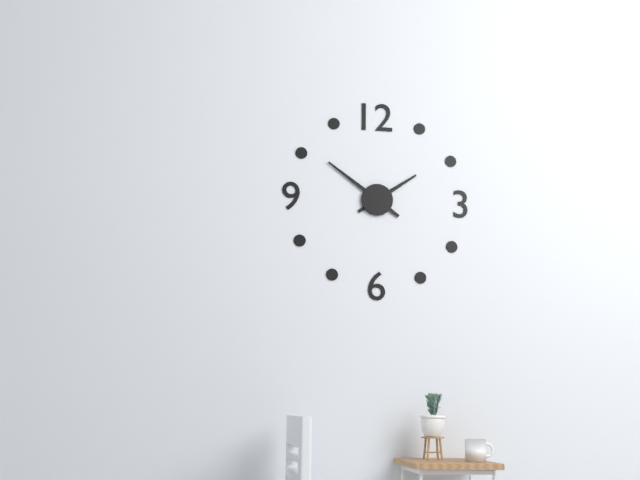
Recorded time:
1,51
